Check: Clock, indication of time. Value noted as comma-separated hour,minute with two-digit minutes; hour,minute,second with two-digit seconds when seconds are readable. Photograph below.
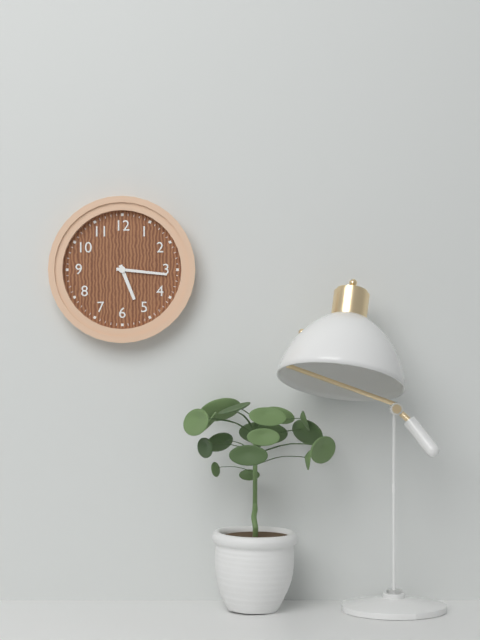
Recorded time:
5,16
